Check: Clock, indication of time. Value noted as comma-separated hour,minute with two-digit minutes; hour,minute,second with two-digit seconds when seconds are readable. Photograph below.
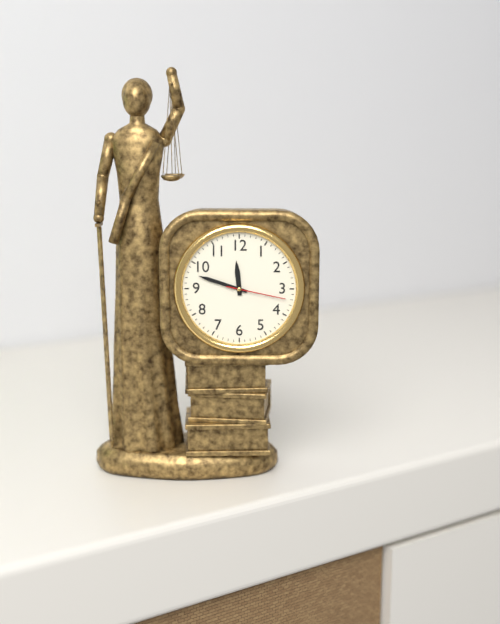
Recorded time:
11,48,17
